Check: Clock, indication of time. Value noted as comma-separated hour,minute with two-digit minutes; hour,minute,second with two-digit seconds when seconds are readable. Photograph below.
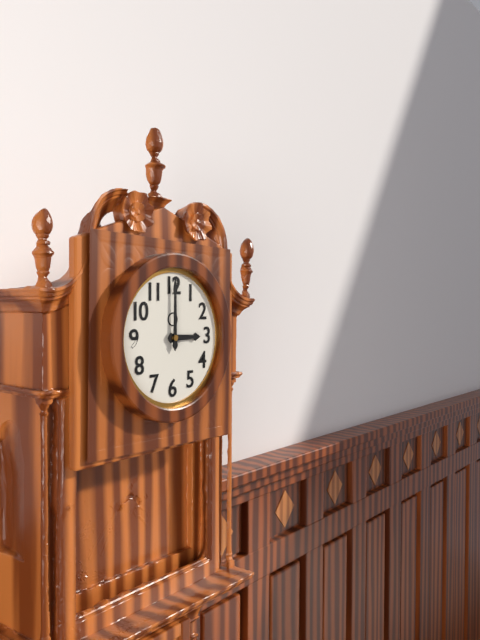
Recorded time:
3,00
